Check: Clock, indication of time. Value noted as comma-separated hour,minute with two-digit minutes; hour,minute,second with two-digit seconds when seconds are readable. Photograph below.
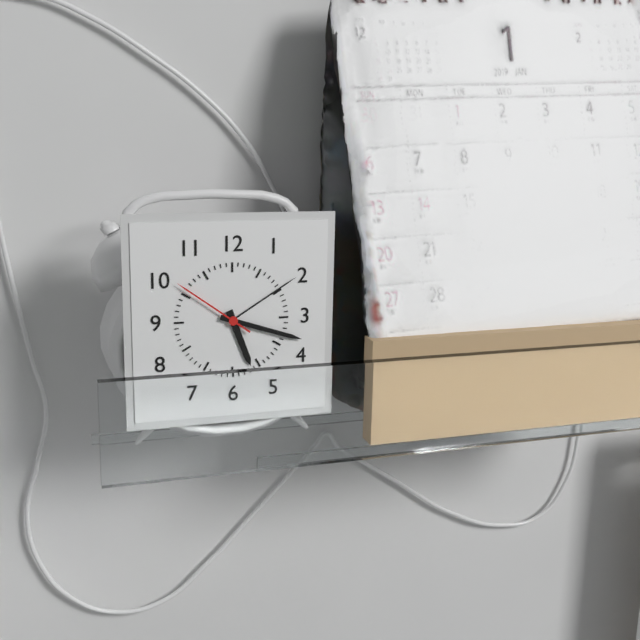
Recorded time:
5,18,51
